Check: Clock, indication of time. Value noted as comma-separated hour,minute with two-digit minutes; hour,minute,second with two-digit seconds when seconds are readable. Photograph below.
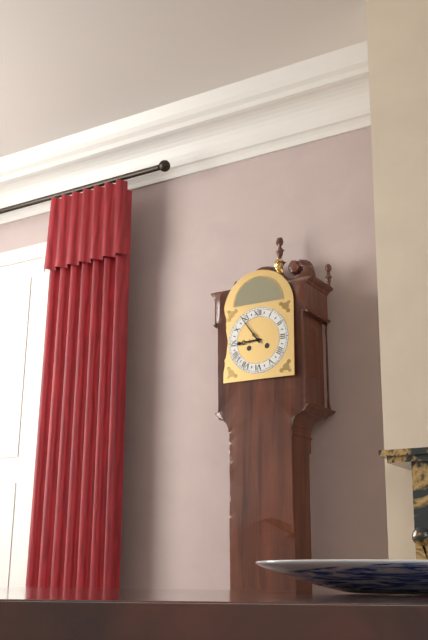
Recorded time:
8,54
